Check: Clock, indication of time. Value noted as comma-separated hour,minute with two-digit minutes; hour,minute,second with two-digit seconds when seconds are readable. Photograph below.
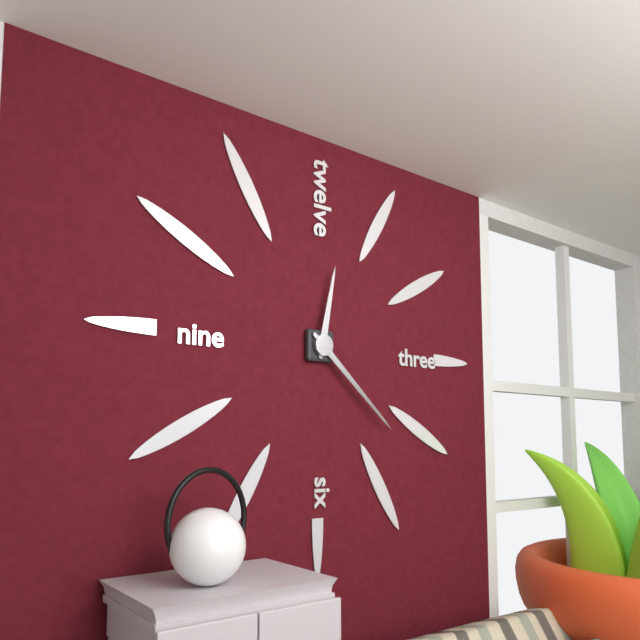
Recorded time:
12,22
